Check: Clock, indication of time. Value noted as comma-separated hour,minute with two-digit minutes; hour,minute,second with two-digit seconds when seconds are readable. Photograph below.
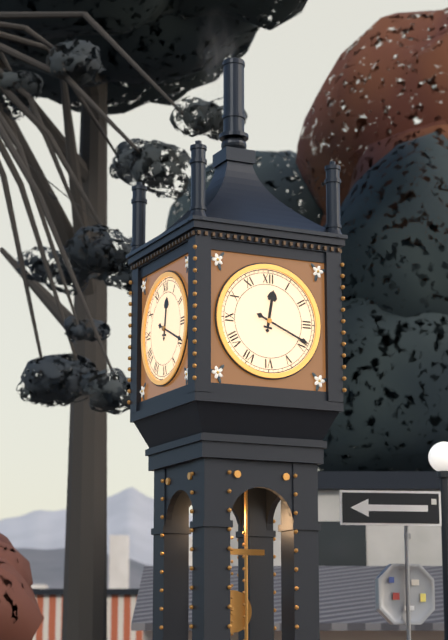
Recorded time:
12,19
